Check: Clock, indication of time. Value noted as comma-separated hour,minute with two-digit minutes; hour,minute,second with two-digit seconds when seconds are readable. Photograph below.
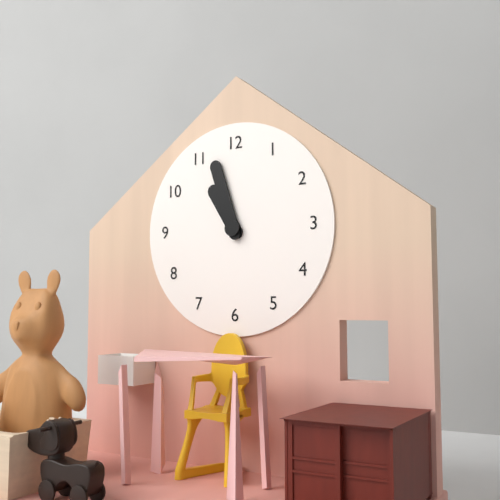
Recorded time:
10,57
